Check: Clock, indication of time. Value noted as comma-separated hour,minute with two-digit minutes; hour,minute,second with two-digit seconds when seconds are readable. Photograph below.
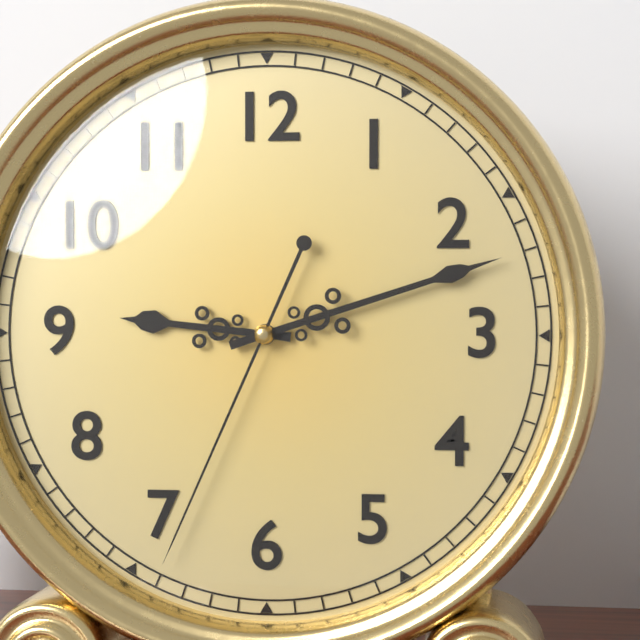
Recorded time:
9,12,34
